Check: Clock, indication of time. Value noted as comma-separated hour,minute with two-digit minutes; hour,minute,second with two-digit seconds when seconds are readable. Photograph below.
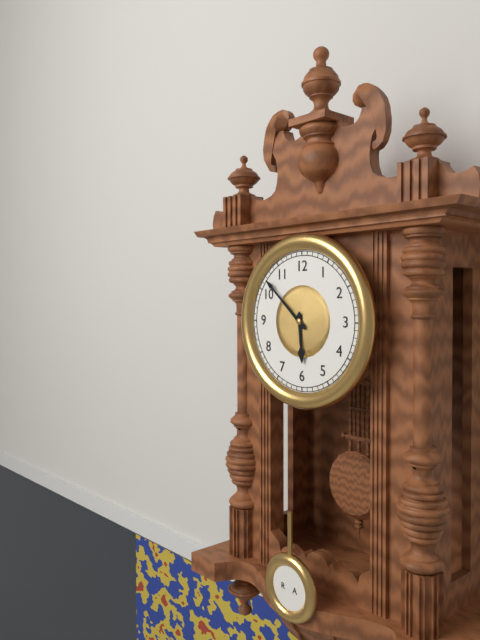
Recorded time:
5,52
